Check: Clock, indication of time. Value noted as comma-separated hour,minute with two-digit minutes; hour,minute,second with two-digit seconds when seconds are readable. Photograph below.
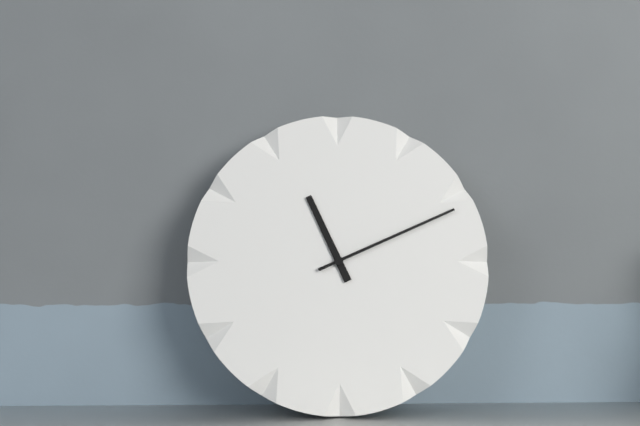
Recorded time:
11,11
